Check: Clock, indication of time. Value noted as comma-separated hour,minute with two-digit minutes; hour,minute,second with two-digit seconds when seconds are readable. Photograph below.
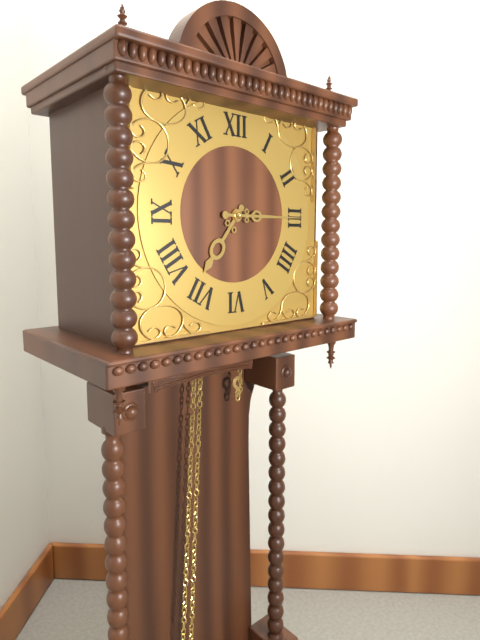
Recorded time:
7,15
